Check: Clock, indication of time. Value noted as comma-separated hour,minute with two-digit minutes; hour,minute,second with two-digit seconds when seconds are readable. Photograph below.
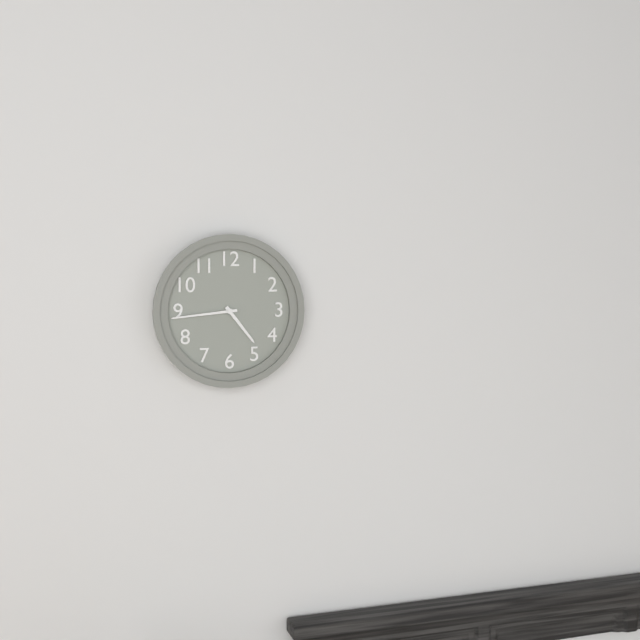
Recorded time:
4,44
